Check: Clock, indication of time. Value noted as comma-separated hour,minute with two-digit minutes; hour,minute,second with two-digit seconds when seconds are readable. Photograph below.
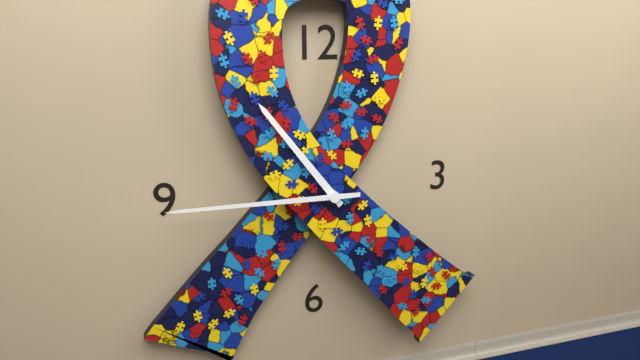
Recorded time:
10,45
